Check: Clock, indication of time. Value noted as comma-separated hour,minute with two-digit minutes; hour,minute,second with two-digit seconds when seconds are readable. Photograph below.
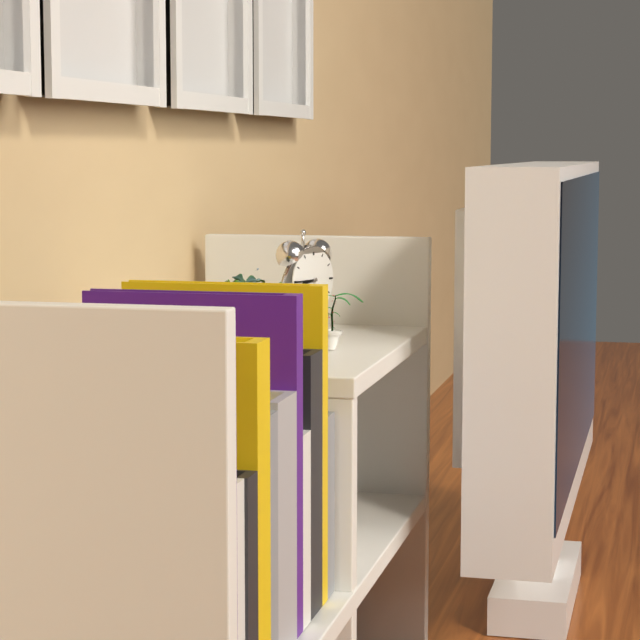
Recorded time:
8,45
